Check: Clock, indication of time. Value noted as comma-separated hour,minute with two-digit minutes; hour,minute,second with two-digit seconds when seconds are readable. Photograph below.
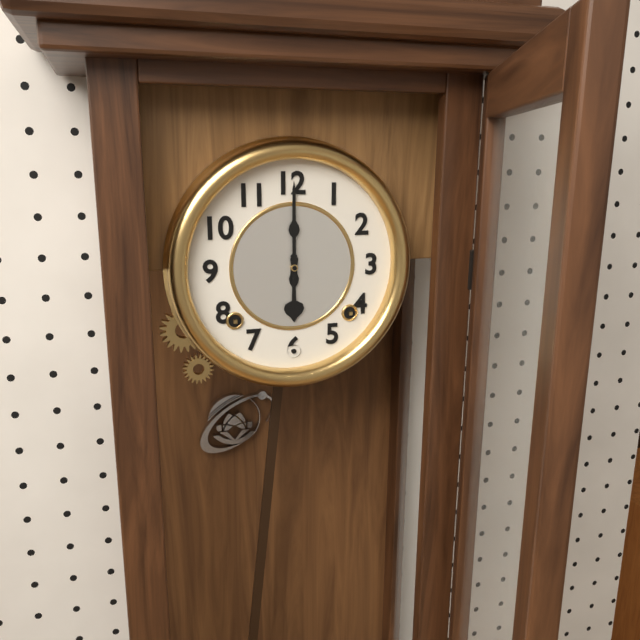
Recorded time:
6,00
